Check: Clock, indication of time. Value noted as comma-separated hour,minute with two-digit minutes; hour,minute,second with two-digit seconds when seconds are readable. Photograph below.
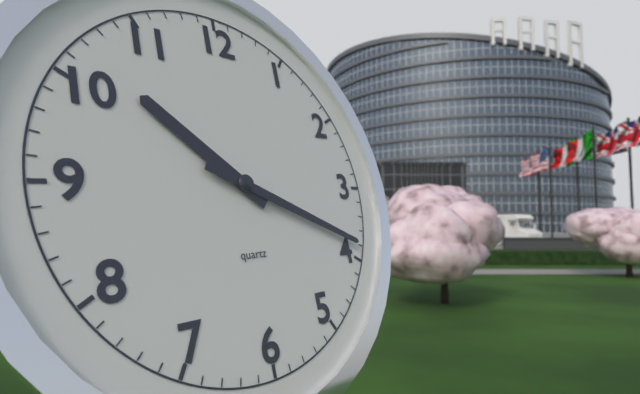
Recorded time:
10,19
